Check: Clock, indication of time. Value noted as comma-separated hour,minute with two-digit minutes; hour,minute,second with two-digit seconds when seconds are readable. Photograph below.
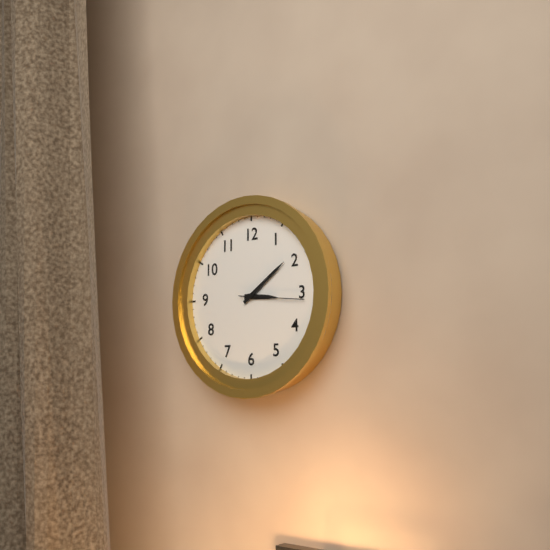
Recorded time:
3,09,16
